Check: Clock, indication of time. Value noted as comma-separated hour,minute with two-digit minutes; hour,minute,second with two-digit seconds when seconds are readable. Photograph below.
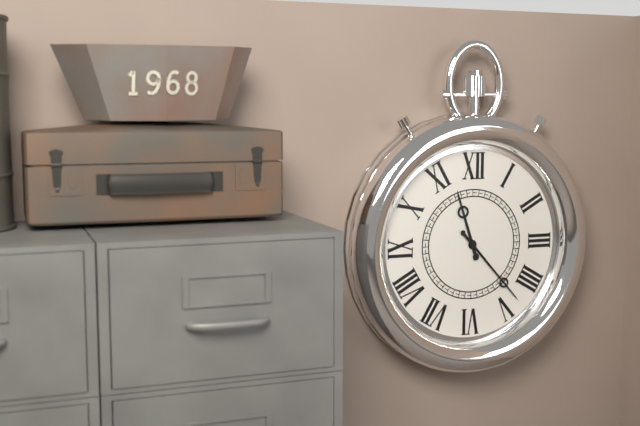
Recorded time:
11,23
